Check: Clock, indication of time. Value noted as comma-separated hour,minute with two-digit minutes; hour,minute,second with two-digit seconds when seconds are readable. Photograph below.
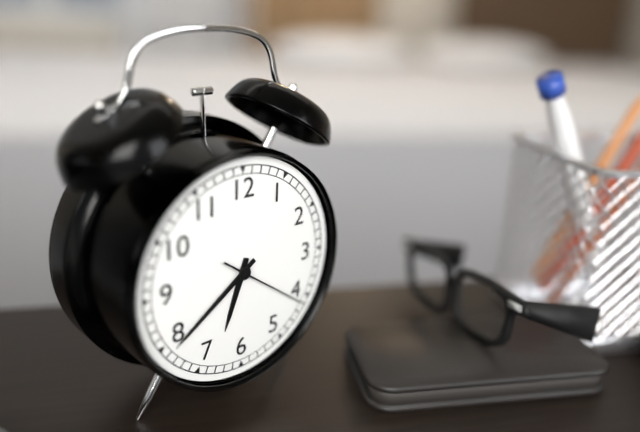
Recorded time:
6,39,21
